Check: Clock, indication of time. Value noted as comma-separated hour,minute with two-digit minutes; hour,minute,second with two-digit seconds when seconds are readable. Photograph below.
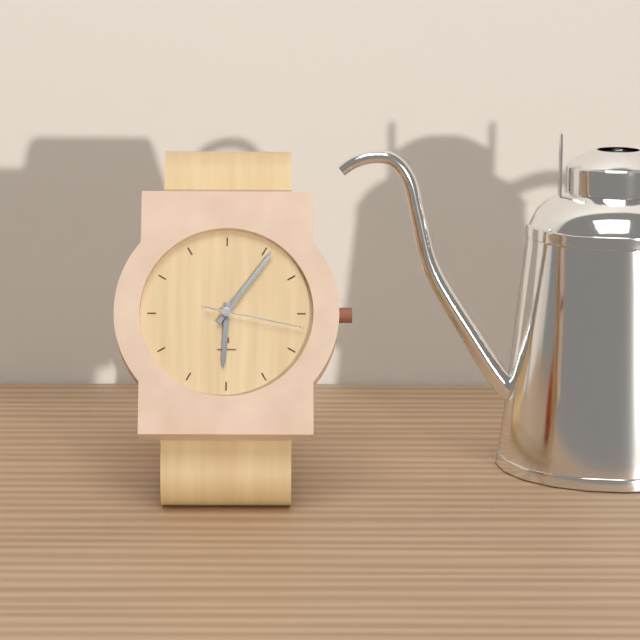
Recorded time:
6,06,17
